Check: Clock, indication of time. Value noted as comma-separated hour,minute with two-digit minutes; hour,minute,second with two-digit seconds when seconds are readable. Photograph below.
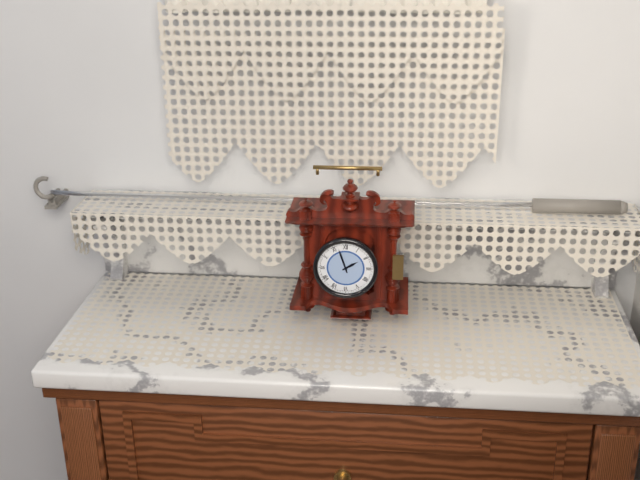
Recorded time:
1,57
